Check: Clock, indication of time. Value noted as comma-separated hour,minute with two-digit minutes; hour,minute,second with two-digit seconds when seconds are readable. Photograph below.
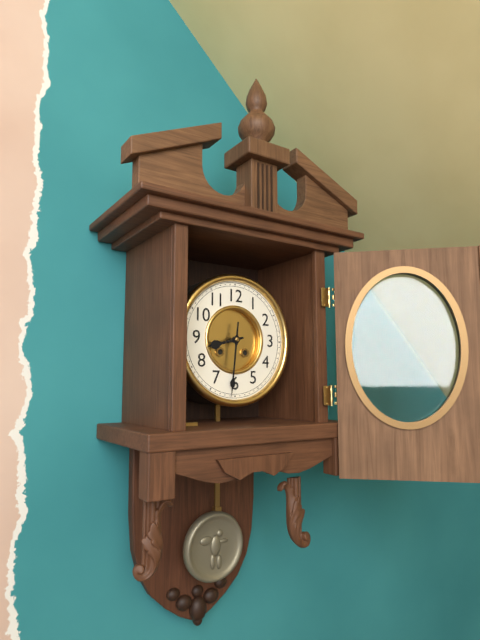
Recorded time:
8,31
